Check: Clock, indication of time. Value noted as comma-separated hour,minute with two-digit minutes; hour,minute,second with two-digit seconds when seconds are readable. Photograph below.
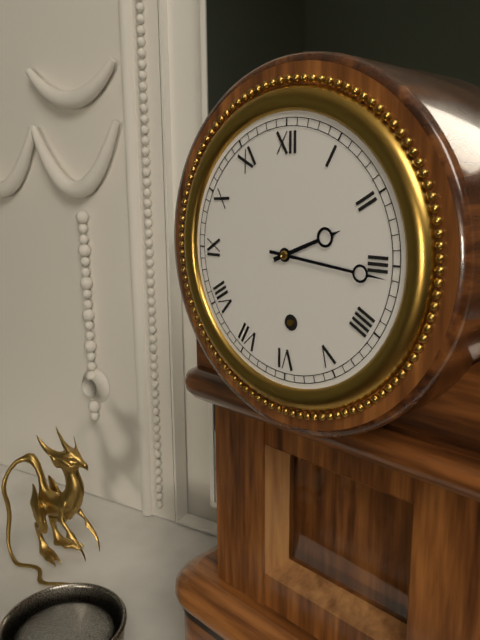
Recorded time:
2,16
